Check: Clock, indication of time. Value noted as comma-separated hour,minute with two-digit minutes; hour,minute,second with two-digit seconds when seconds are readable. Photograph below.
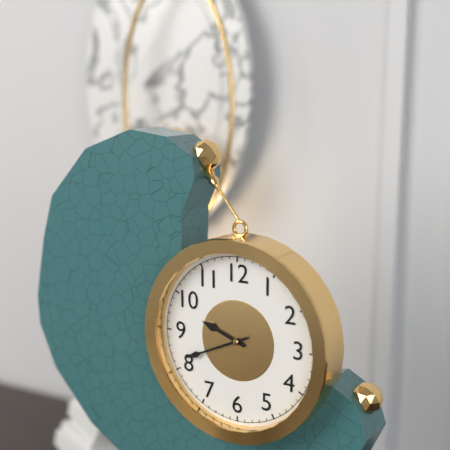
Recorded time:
9,41
